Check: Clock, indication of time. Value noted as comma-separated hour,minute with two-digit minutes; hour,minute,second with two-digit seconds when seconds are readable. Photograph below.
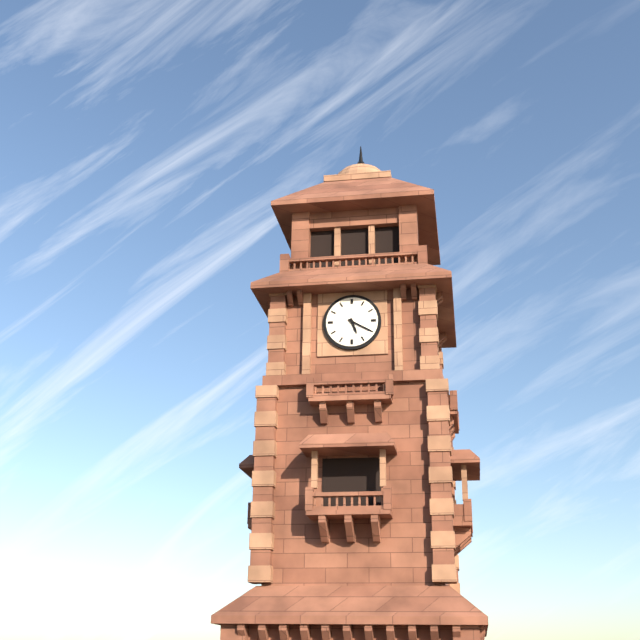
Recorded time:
5,20
